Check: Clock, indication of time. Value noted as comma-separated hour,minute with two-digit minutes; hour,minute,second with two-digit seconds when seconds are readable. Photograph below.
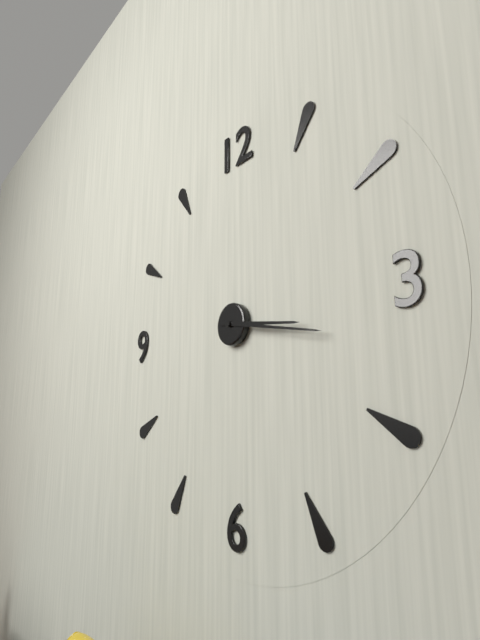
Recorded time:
3,17
